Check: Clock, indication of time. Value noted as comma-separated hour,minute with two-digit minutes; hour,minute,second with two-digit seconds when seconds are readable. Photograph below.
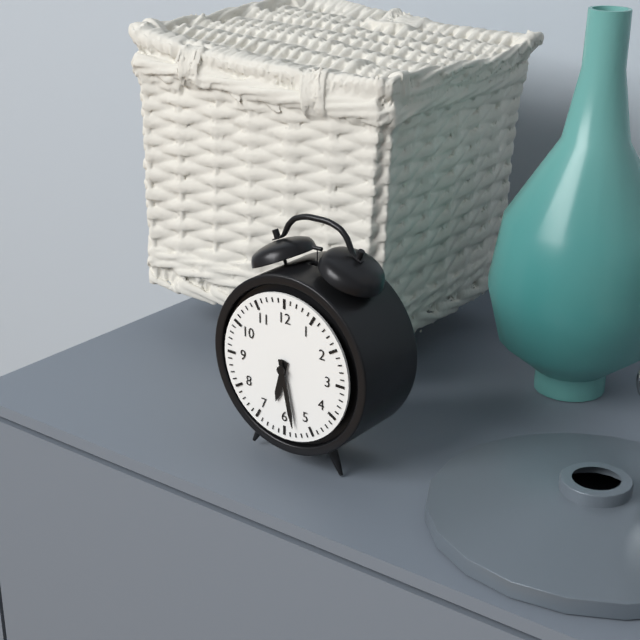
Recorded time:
6,28
